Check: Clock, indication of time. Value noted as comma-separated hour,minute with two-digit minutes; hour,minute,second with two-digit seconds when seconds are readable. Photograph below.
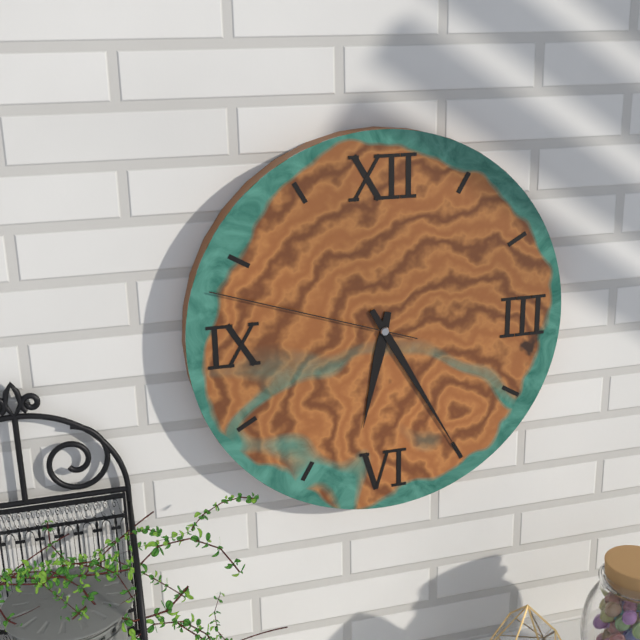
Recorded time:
6,25,48
